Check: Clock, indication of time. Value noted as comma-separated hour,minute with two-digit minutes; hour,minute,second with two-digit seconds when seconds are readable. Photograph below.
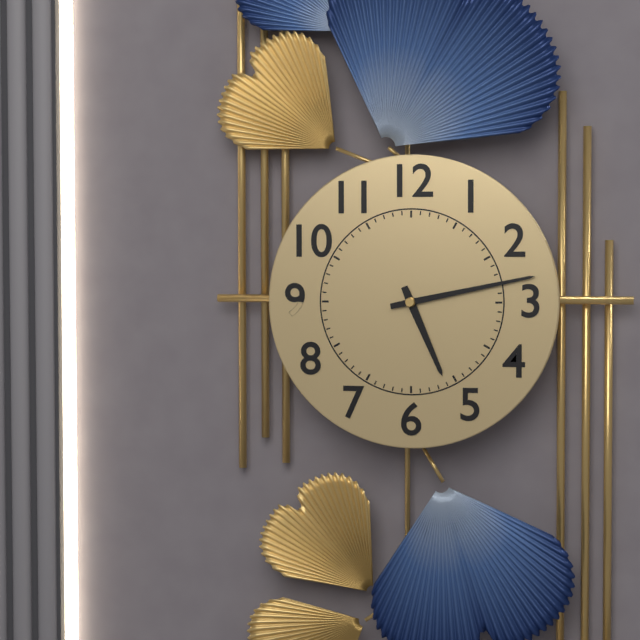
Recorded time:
5,13
